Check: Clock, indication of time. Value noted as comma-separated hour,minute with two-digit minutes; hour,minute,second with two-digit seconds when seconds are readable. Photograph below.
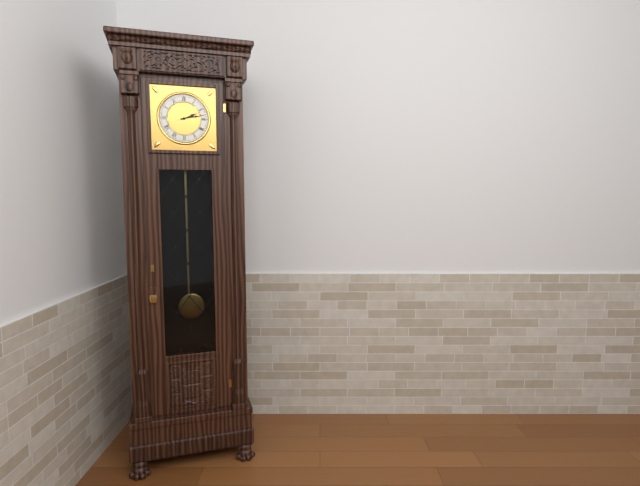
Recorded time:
2,13
